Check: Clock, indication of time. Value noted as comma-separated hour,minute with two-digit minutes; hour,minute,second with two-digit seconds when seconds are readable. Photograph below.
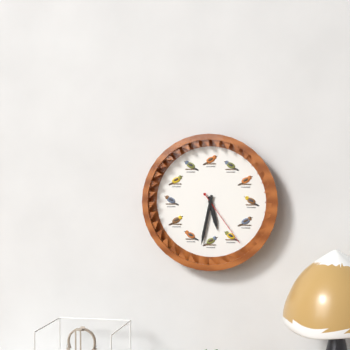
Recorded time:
5,32,24
